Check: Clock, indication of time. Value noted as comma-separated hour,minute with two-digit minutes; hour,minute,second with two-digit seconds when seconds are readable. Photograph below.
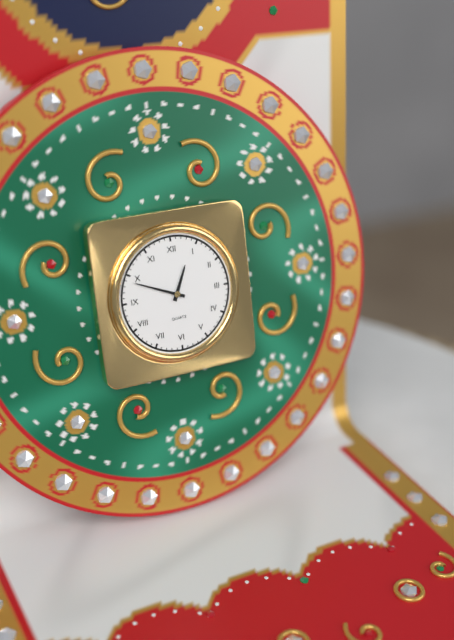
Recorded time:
12,49
